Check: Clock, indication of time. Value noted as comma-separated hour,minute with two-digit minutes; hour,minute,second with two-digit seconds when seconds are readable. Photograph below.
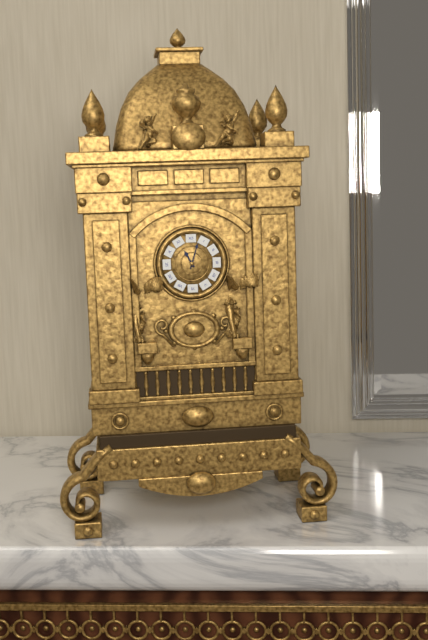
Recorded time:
11,03
